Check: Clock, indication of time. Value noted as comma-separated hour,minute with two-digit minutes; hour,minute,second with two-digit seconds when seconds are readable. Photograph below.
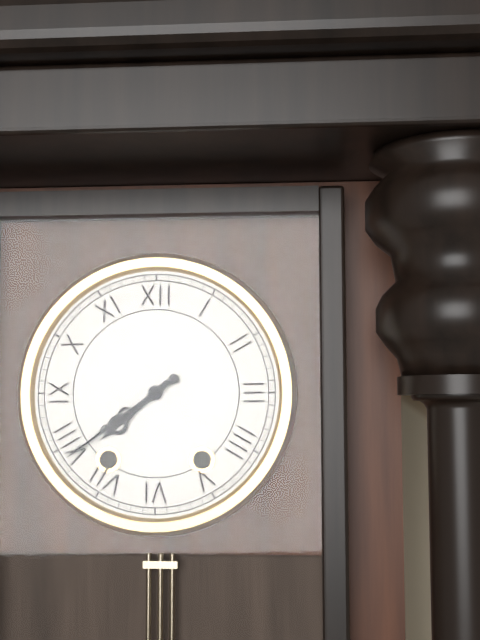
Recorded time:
7,39
